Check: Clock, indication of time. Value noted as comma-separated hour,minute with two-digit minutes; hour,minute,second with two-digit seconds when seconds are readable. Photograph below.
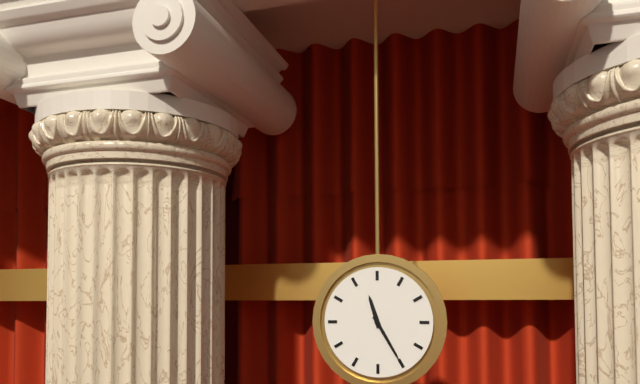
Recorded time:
11,25
